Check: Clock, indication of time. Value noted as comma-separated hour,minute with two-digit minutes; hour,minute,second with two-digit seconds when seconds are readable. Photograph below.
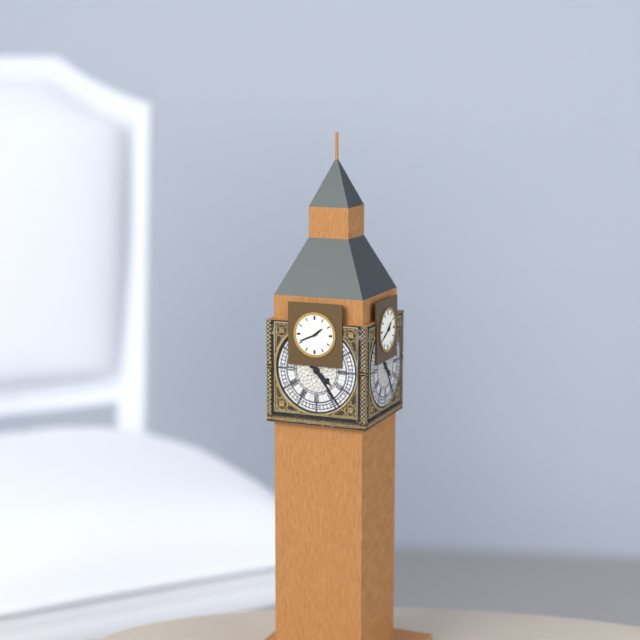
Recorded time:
1,41
